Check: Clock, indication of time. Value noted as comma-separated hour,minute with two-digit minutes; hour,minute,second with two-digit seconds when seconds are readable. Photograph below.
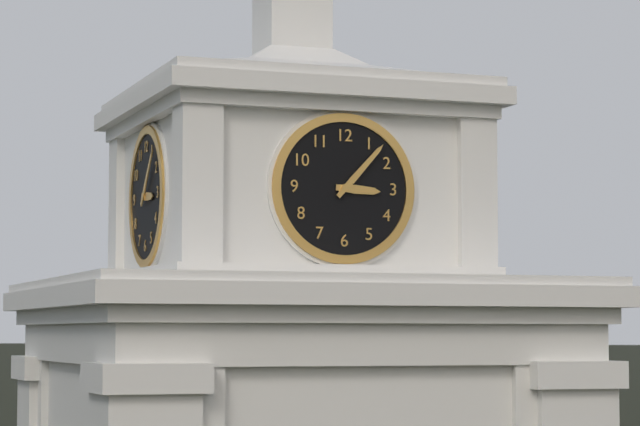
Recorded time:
3,07
